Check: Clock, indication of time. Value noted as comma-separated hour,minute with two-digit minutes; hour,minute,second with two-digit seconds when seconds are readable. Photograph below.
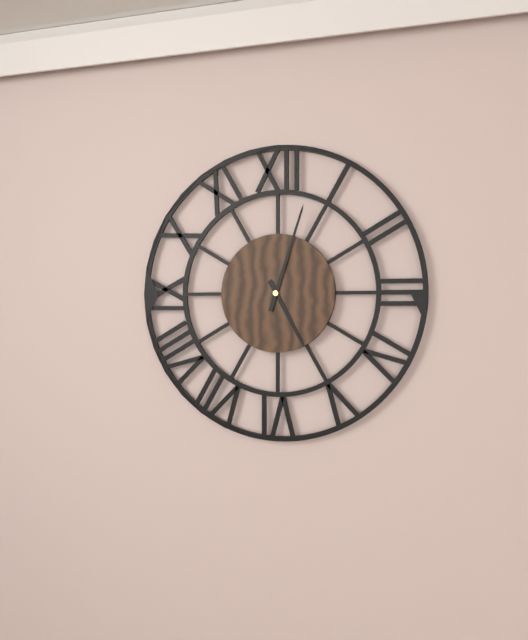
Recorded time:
5,03
